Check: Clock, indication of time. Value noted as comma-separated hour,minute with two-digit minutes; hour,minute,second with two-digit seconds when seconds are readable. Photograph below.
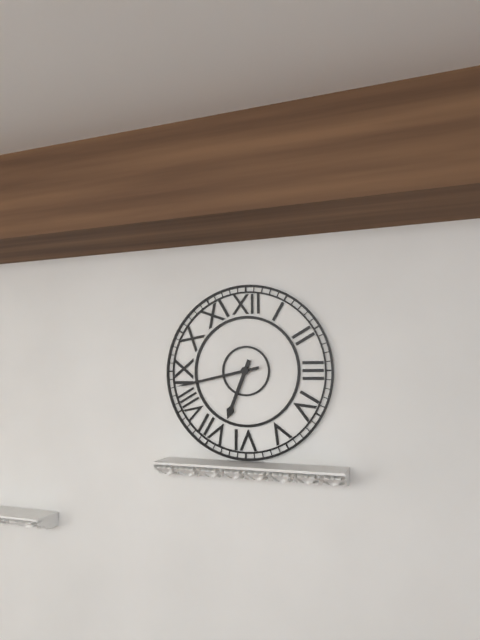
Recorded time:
6,43
